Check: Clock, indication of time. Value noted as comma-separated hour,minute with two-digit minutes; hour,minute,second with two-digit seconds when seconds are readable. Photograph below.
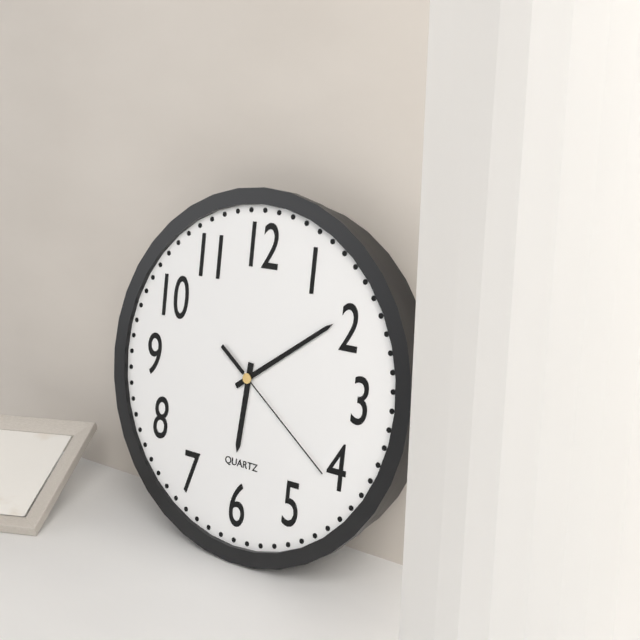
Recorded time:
6,09,21
